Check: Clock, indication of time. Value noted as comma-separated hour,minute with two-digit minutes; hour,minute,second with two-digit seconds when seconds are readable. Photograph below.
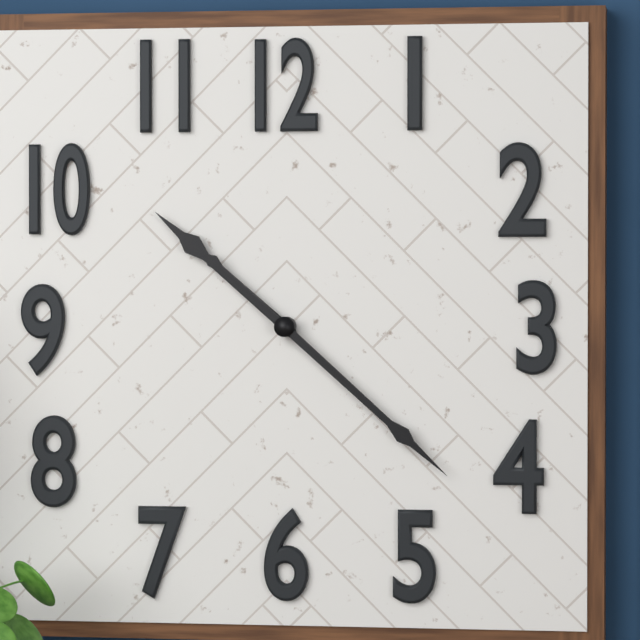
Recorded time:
10,22
